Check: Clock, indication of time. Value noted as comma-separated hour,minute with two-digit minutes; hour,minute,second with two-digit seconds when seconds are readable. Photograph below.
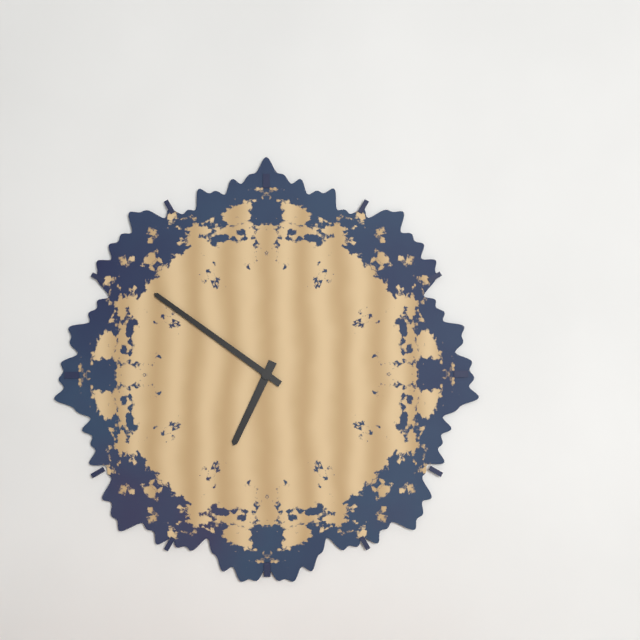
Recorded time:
6,51
